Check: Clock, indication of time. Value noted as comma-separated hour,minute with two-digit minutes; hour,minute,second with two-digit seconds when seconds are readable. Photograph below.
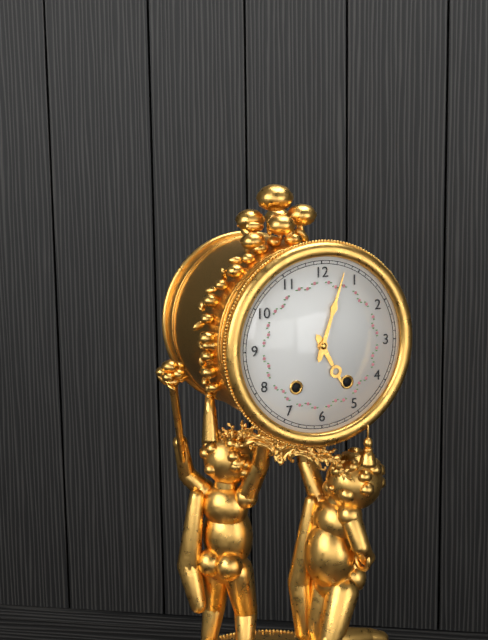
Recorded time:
5,03
